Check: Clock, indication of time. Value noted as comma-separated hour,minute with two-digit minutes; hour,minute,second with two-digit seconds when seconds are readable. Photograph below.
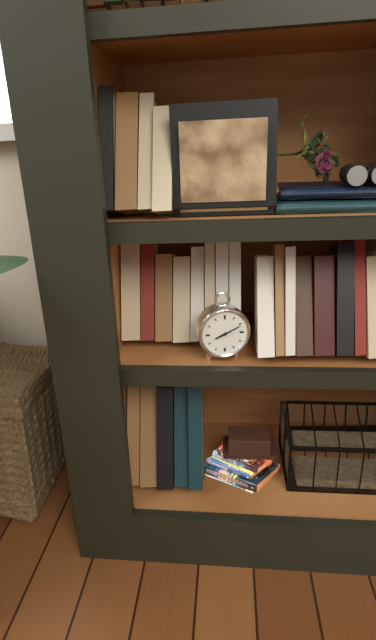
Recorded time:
8,11
